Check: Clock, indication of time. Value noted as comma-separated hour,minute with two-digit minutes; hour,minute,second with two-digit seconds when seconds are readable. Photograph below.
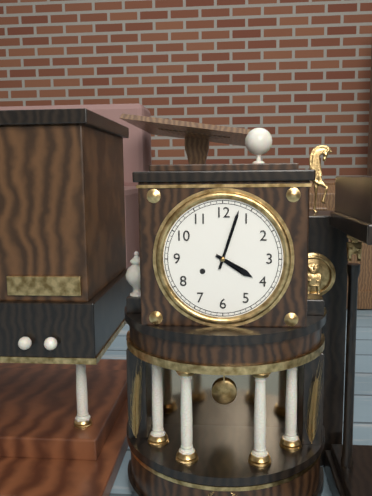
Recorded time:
4,03
